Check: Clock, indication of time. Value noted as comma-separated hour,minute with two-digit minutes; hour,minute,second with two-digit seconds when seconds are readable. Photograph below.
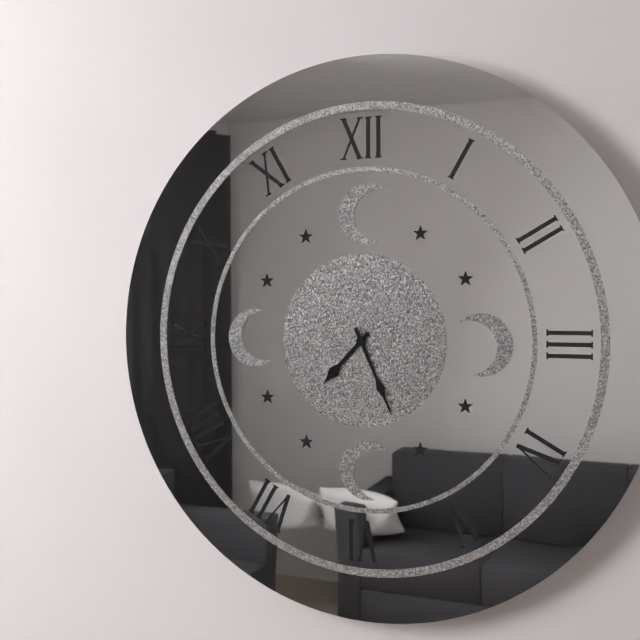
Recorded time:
7,26
